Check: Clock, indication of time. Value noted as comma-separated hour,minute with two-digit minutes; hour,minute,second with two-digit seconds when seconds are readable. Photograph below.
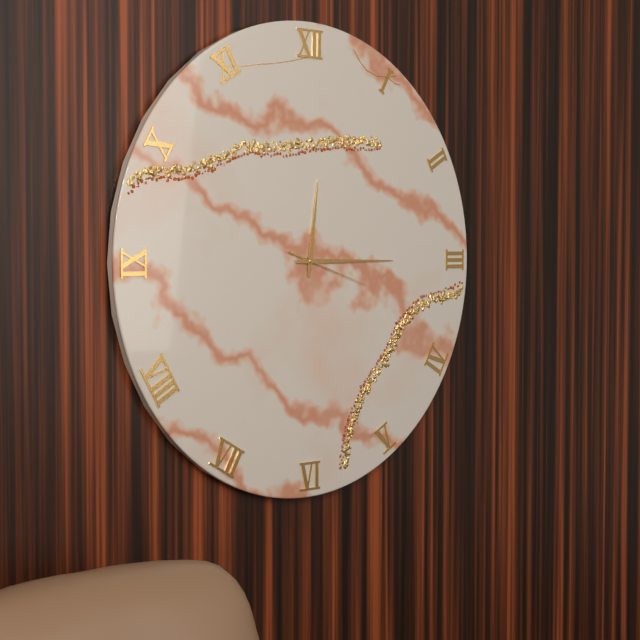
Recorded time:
12,15,18
